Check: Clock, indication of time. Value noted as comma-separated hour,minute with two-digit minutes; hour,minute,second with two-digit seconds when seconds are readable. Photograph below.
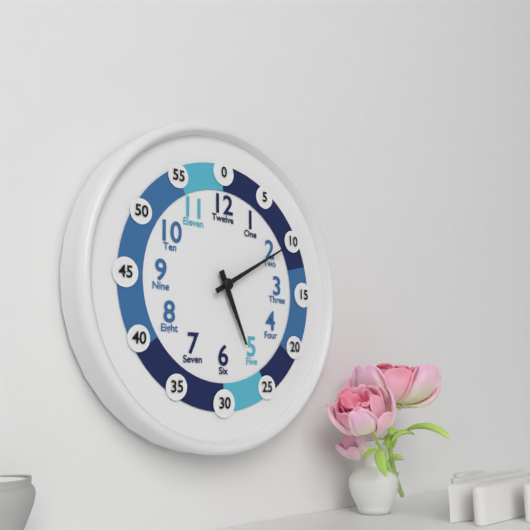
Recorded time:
5,10
